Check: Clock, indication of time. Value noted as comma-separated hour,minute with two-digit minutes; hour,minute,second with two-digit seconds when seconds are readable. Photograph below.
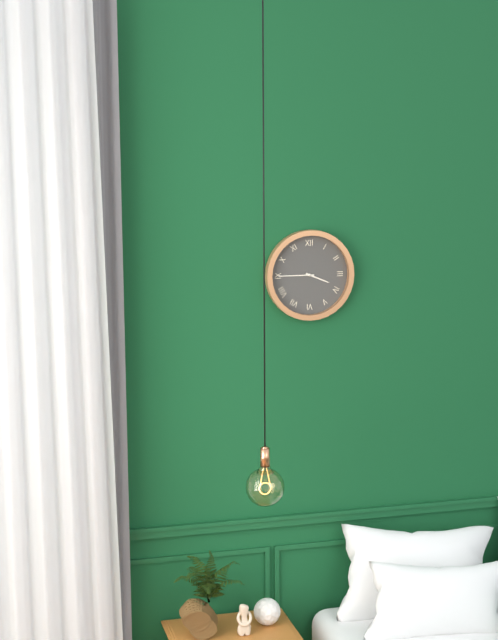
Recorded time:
3,45
